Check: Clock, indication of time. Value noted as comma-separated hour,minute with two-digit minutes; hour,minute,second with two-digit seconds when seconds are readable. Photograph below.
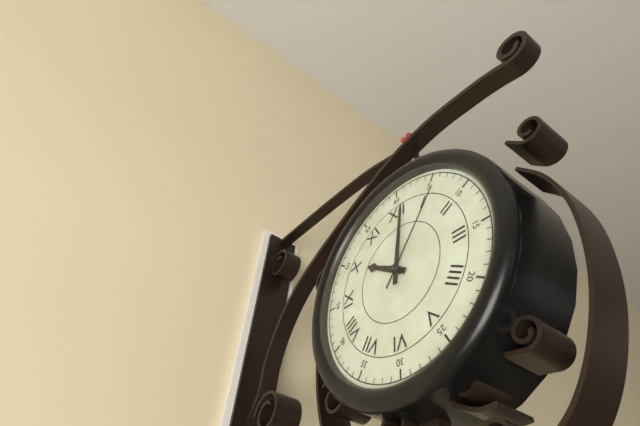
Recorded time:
10,01,06
